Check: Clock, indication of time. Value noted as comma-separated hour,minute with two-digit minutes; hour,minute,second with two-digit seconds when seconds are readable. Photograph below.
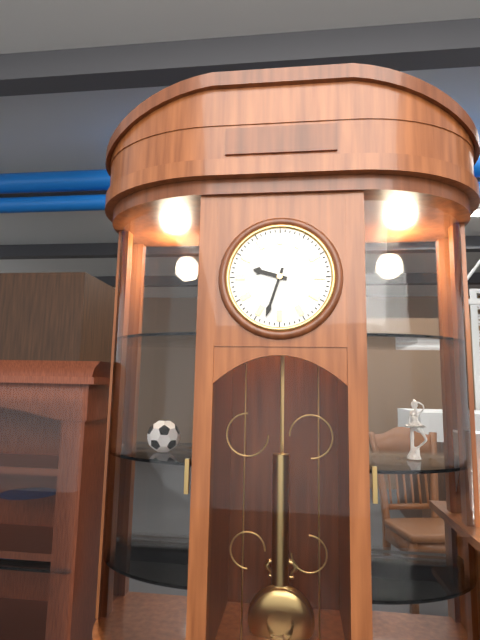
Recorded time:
9,33
